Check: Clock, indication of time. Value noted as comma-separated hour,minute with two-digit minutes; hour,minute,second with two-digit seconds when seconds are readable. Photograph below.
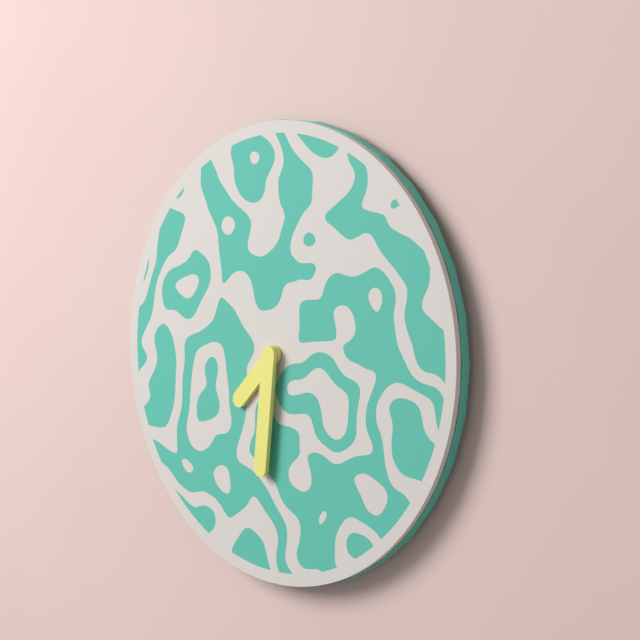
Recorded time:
7,31
